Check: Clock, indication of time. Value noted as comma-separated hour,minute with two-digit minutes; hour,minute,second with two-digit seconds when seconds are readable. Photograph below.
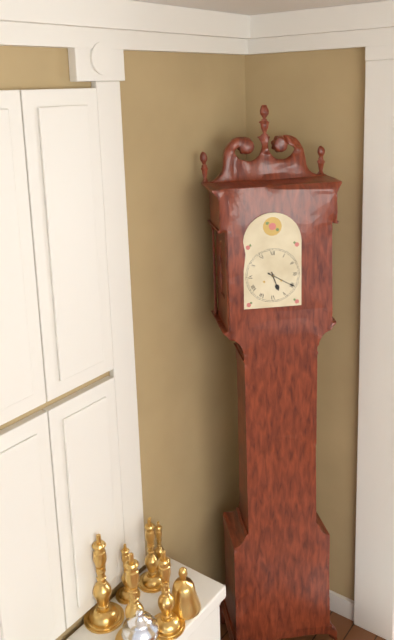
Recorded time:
5,20
